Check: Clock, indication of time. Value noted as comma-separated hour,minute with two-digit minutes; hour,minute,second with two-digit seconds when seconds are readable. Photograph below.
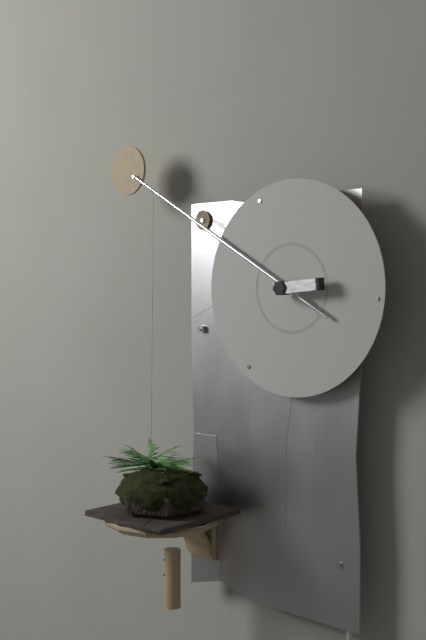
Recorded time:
2,50
